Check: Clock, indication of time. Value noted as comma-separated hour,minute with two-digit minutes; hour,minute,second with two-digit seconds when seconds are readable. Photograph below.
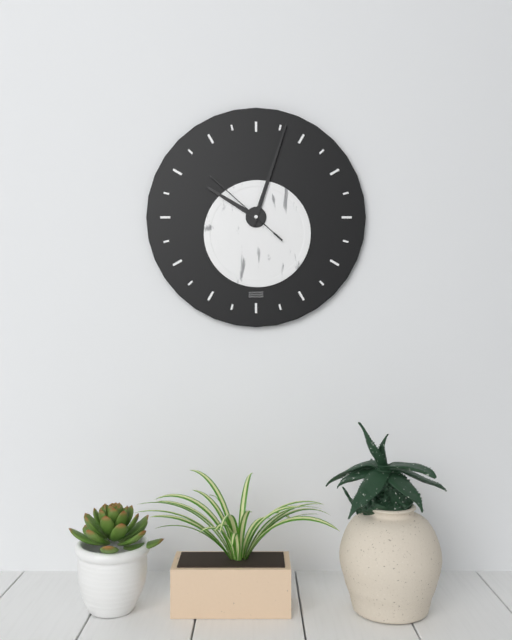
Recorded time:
10,03,52
